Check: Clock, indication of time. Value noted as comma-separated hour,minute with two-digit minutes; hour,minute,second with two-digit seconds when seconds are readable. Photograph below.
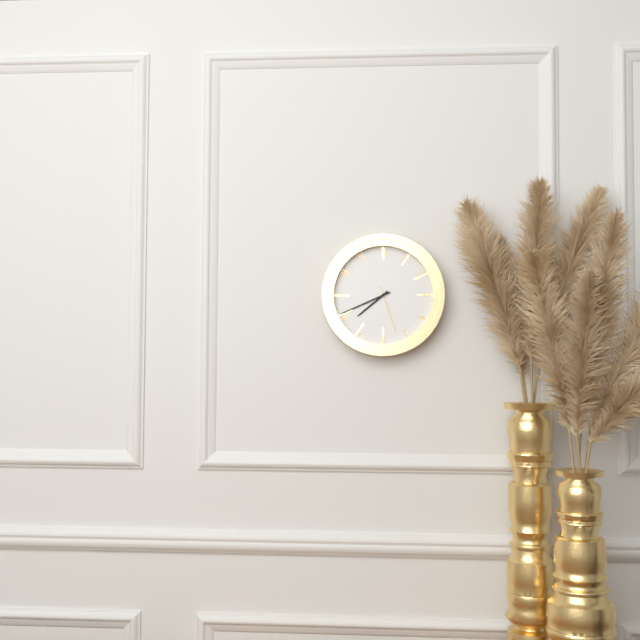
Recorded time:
7,41,27
